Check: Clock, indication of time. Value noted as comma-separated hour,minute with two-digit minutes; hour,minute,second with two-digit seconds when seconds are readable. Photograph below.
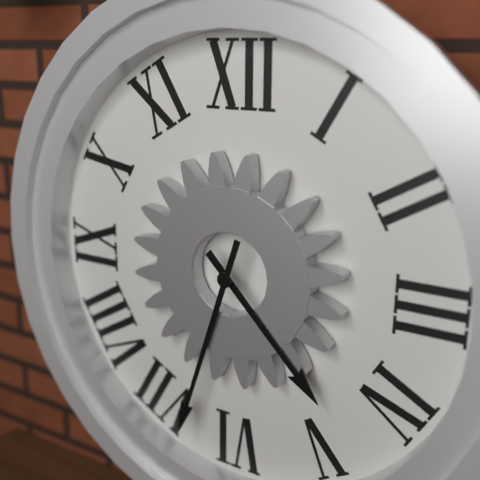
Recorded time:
4,33
